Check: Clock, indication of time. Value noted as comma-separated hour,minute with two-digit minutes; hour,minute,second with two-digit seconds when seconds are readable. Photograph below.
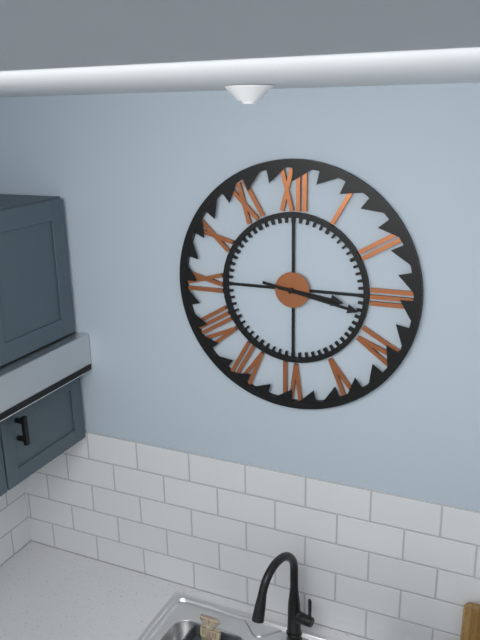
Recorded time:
3,17
